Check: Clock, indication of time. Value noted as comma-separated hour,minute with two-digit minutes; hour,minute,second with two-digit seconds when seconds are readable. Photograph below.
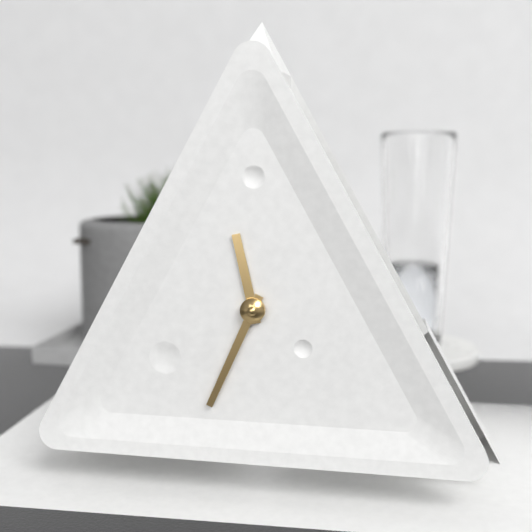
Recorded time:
11,34
